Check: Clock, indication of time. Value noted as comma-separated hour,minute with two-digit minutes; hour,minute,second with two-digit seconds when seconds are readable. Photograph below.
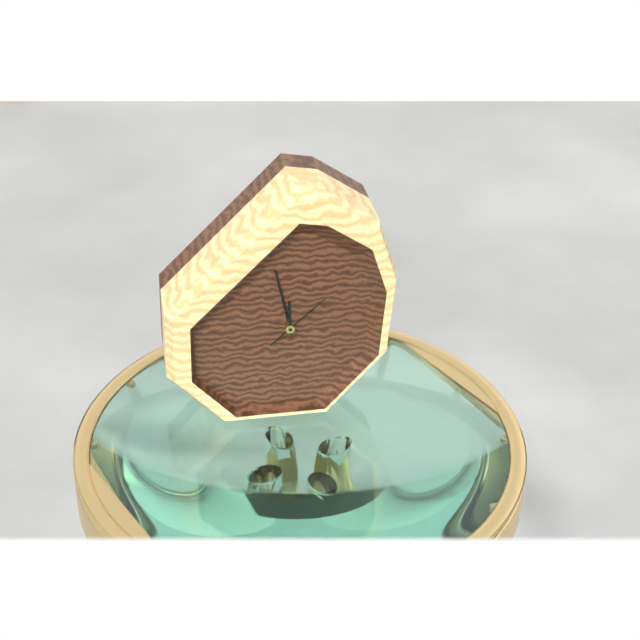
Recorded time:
11,58,08
